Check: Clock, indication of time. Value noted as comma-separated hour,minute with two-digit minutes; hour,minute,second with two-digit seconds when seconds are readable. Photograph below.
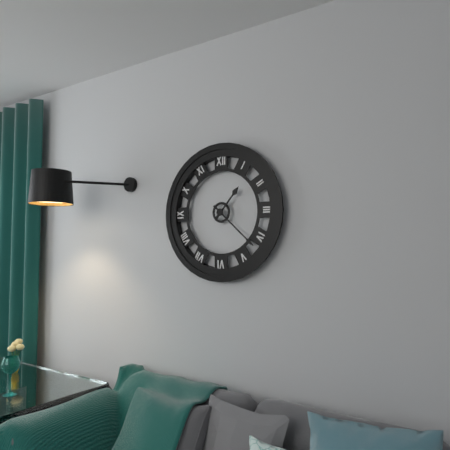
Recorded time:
1,22
